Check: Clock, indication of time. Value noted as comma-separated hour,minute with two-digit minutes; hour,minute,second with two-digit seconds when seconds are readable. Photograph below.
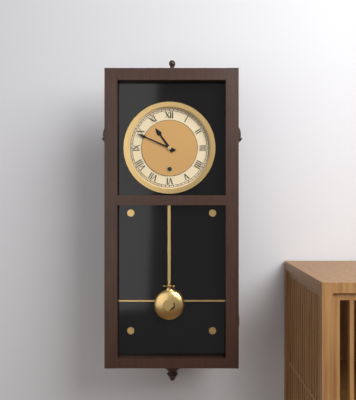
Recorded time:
10,49
